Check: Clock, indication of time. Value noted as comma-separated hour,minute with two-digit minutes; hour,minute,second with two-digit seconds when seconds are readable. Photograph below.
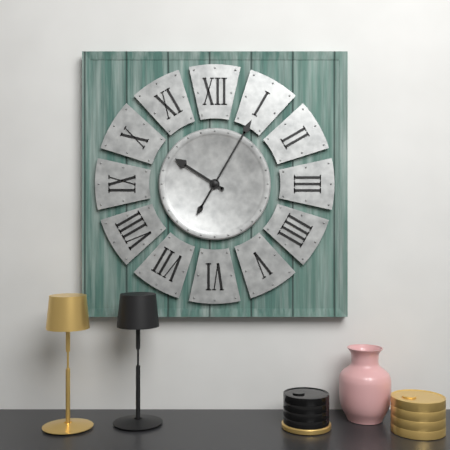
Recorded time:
10,05
